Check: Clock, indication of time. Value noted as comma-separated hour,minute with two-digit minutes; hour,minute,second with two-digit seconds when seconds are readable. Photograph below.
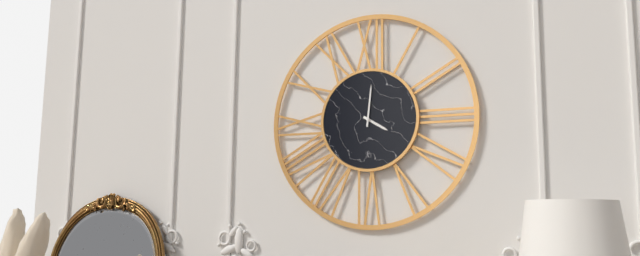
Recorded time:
4,01
